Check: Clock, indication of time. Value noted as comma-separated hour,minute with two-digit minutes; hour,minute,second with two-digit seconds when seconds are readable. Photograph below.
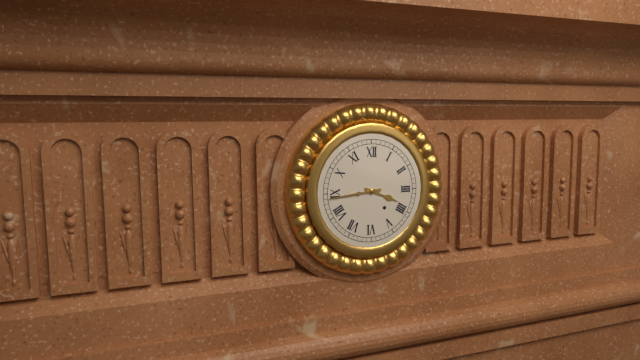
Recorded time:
3,44
